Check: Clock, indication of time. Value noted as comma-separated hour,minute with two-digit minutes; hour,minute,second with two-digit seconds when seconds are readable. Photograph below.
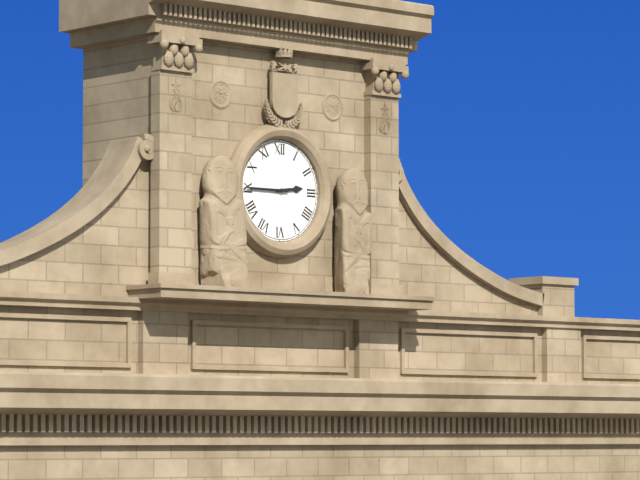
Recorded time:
2,45
